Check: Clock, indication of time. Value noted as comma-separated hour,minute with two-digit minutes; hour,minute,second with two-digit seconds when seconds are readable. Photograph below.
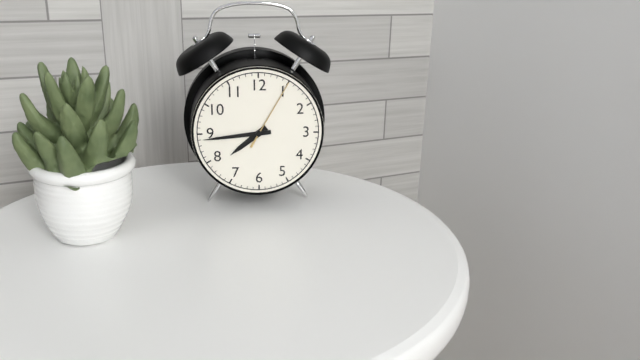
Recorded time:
7,44,05
